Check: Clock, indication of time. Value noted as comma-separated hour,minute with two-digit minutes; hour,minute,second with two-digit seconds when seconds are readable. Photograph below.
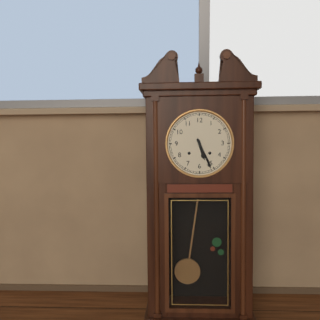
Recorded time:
5,26
